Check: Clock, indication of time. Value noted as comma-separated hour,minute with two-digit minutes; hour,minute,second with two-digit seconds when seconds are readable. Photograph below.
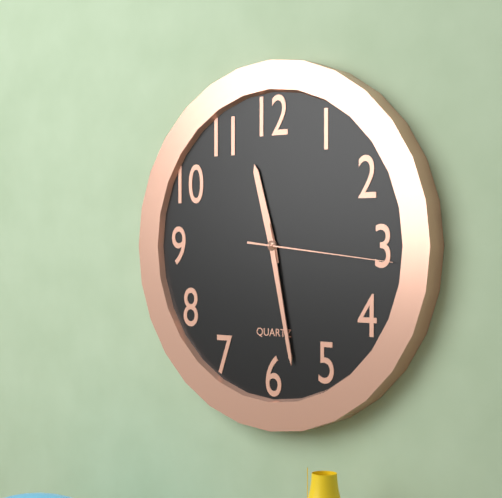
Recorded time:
11,28,16
